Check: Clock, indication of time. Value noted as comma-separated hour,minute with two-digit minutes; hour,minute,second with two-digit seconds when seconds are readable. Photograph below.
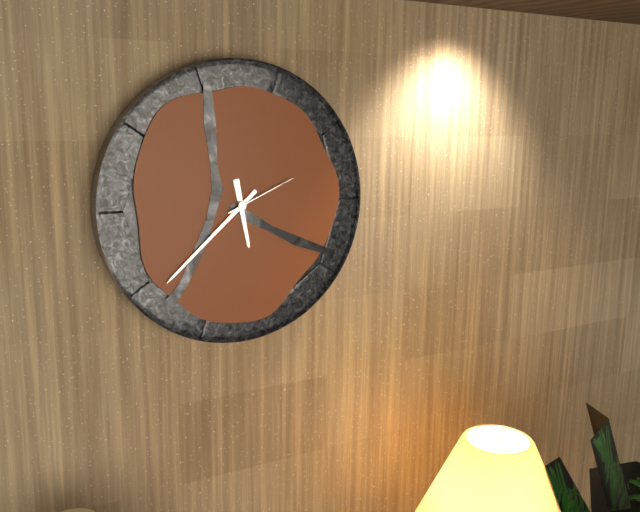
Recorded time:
5,38,11
